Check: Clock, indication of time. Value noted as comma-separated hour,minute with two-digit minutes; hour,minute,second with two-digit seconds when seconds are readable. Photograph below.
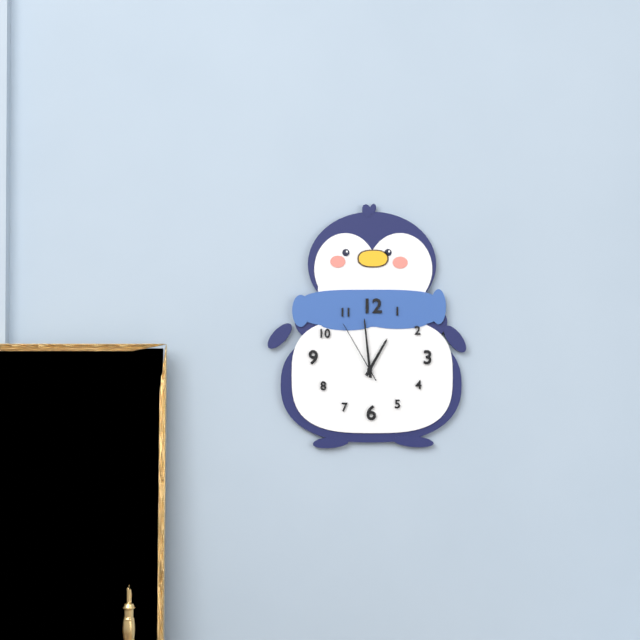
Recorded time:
12,59,55
